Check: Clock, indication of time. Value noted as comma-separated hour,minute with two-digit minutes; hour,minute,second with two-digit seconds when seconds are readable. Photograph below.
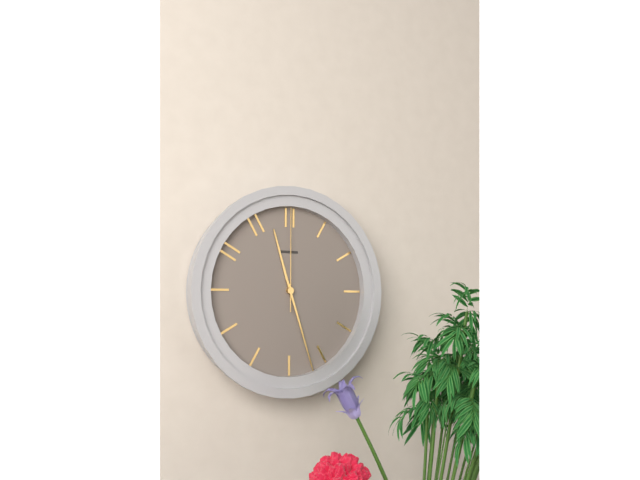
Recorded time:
11,27,00
